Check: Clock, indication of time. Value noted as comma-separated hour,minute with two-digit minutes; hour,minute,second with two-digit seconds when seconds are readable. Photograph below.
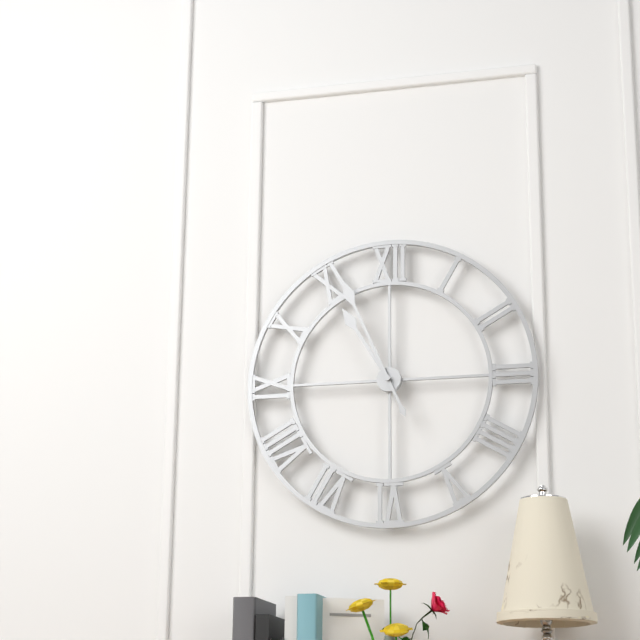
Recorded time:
10,56
